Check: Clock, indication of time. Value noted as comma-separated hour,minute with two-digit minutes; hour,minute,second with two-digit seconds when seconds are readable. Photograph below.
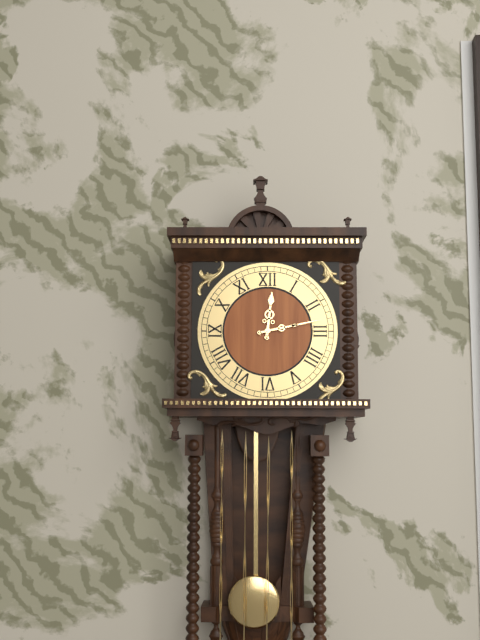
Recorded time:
12,13
